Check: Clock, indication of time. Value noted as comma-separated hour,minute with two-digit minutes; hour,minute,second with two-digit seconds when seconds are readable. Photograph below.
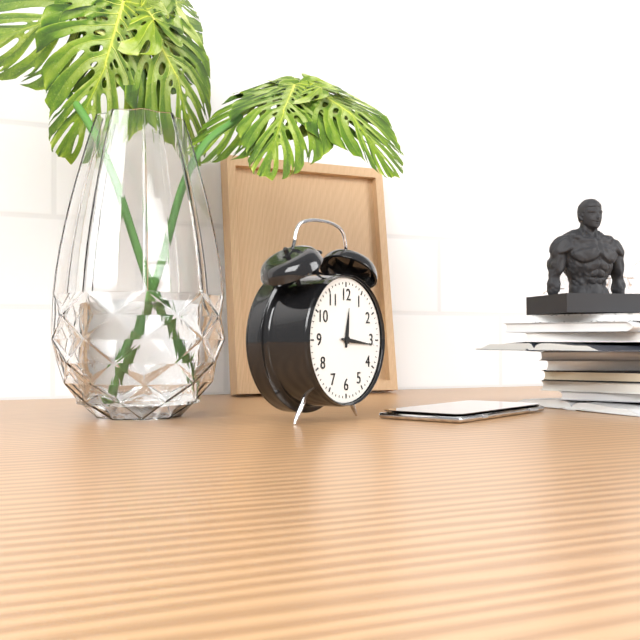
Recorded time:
12,16
